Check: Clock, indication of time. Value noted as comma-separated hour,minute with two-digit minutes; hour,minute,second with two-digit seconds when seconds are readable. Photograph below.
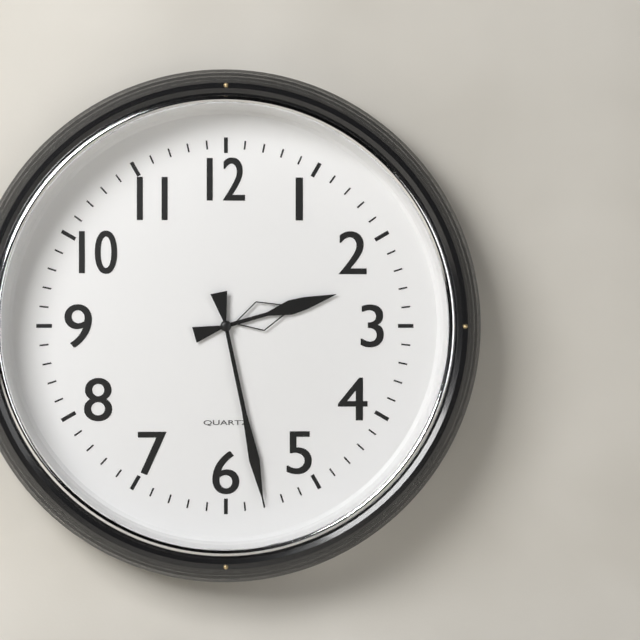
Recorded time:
2,28
